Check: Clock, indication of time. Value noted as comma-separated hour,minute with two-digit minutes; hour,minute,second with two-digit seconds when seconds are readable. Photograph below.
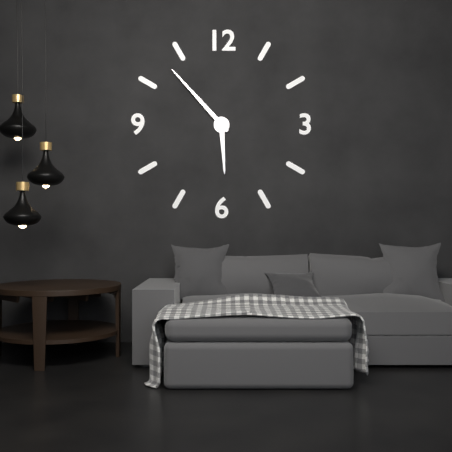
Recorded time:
5,53
